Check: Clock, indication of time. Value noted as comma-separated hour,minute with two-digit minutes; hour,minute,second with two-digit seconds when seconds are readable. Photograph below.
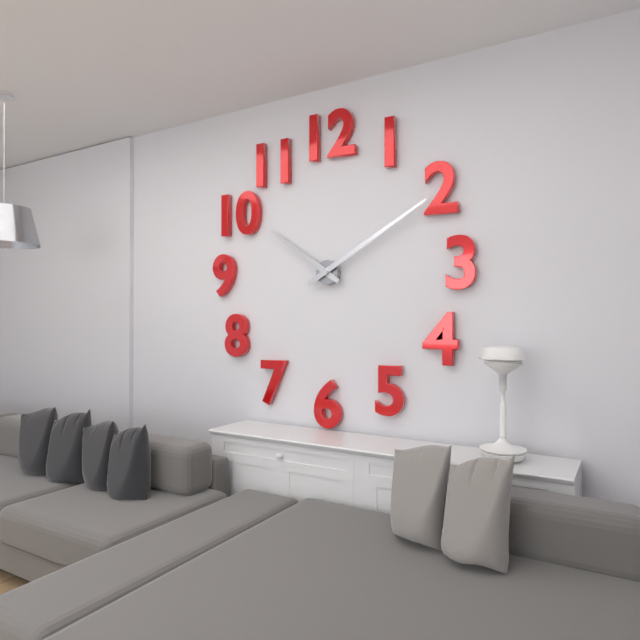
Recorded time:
10,10
